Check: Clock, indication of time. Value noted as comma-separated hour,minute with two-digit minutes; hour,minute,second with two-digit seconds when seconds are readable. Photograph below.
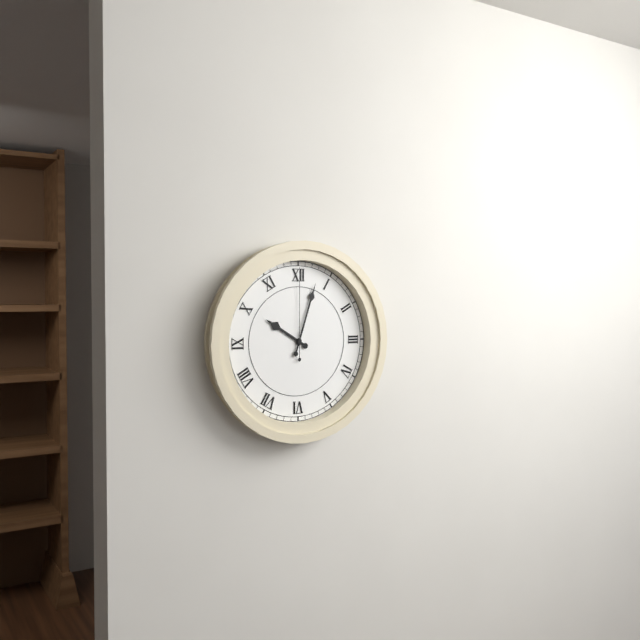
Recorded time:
10,03,00
